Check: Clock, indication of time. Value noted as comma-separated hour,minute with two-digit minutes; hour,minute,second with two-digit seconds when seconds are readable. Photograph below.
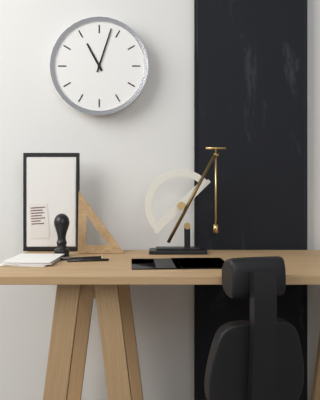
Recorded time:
11,03
